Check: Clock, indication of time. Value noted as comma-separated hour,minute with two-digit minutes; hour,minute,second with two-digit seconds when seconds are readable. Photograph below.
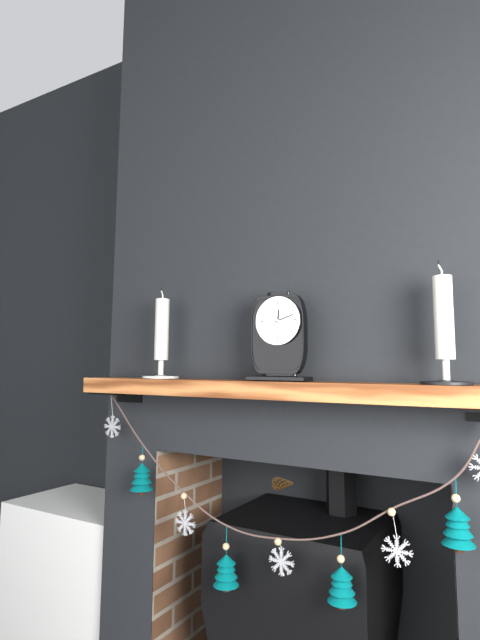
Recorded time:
12,12
